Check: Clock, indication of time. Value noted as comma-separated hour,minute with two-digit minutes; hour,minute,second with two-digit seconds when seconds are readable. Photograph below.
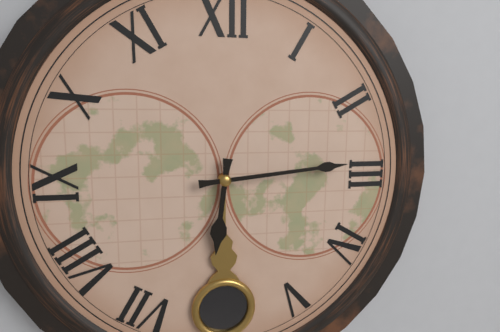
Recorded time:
6,14
